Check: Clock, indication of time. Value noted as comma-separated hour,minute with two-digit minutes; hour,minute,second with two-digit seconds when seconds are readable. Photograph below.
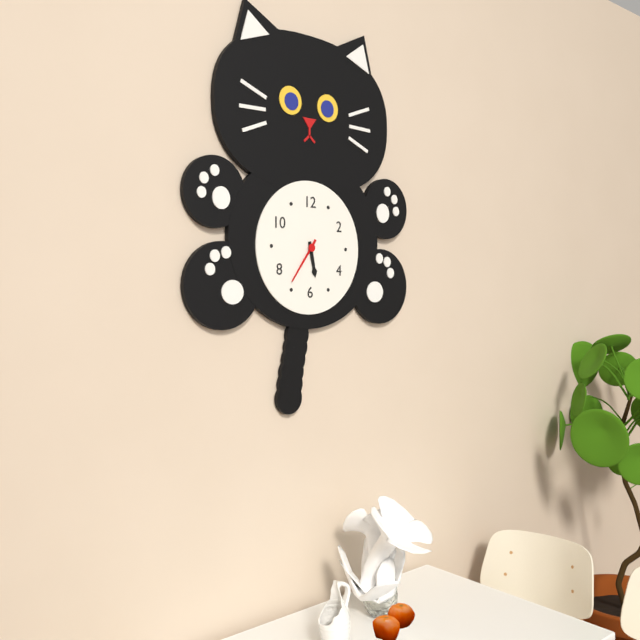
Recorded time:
5,36
